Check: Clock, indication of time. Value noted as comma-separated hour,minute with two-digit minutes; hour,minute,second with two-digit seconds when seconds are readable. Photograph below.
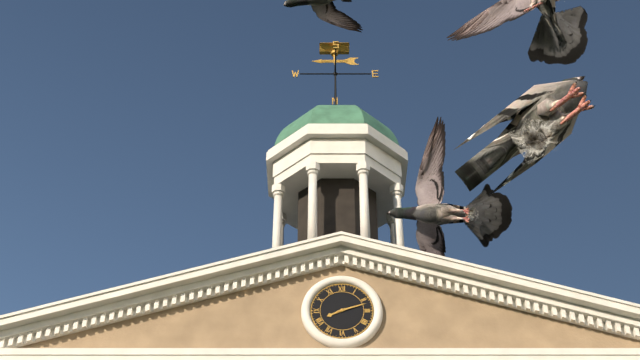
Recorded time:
8,12
